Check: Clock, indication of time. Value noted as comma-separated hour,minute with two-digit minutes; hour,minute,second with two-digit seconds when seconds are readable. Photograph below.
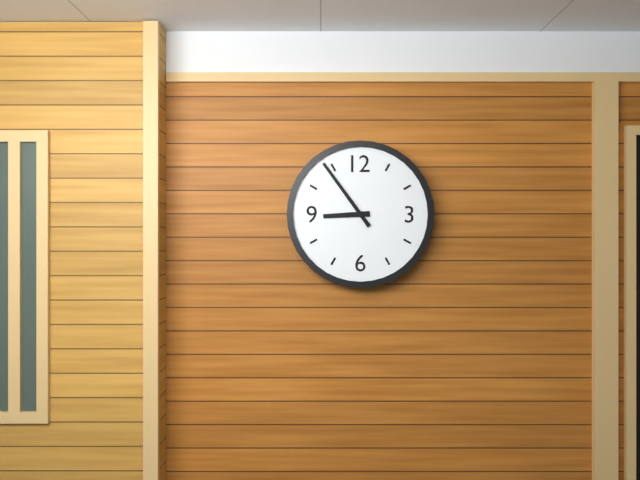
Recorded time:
8,54
